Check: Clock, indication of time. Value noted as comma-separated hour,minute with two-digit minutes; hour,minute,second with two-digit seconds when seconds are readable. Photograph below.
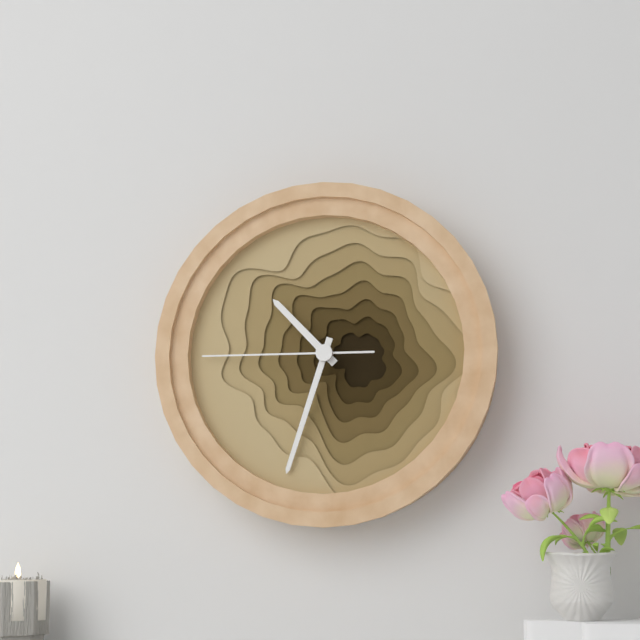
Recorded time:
10,33,45
